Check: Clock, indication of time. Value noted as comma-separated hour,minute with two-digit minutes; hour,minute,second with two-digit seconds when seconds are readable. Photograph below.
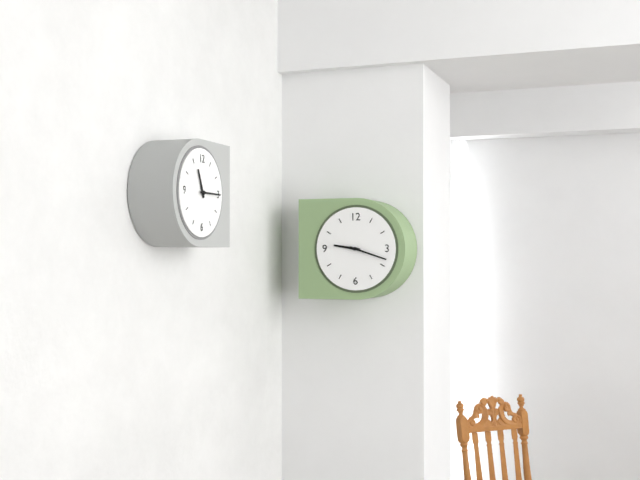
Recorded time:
9,18
